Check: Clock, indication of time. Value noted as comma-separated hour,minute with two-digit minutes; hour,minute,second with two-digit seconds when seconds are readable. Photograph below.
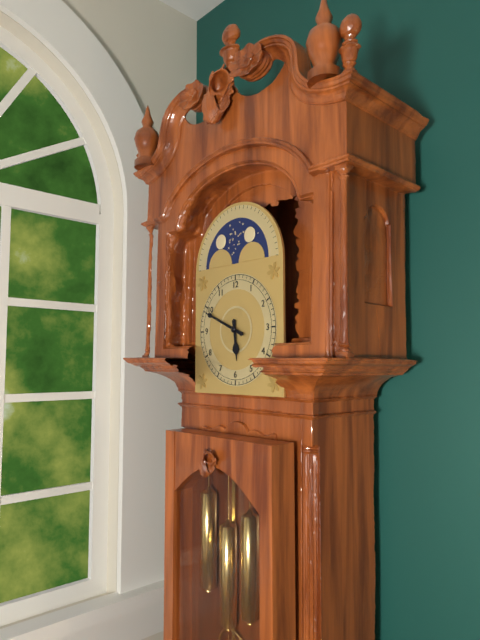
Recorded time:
5,49
